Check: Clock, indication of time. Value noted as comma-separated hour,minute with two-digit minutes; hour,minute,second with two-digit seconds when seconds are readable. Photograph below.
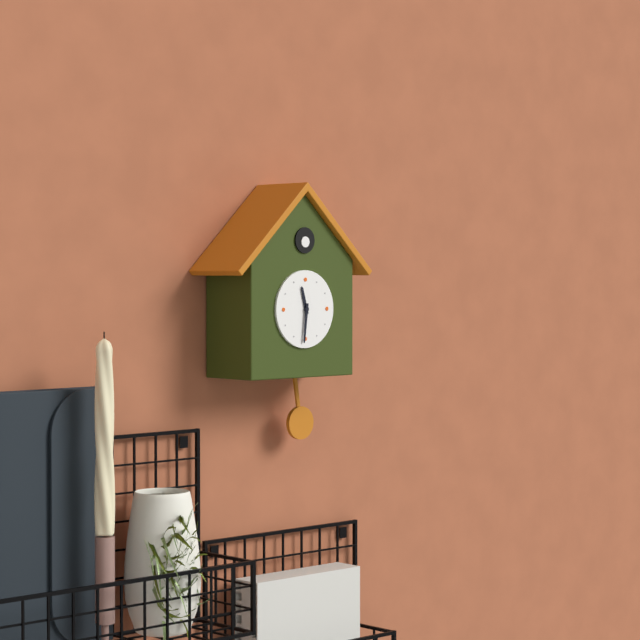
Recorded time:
11,31
